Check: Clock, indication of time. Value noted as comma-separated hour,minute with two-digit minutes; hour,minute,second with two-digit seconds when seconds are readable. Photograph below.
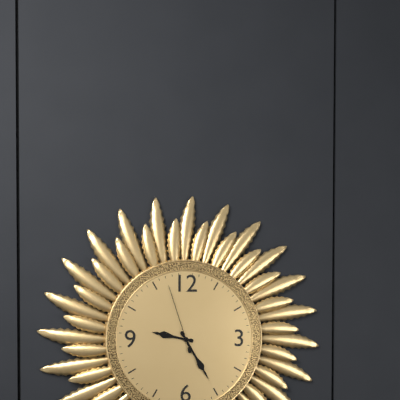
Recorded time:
9,25,57
